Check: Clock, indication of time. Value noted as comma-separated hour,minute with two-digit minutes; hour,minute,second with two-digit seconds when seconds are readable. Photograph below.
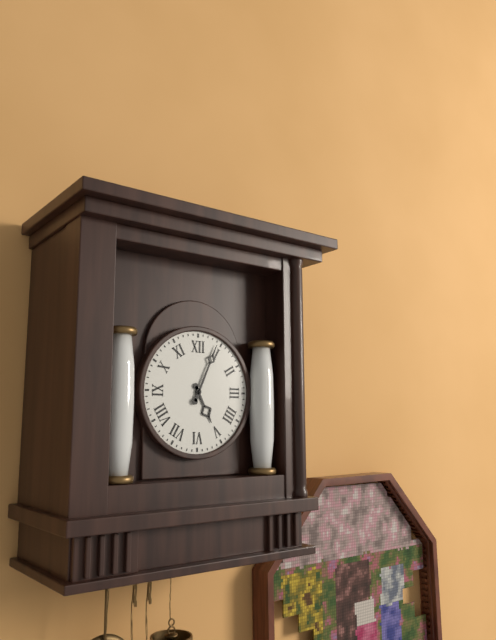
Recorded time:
5,04
